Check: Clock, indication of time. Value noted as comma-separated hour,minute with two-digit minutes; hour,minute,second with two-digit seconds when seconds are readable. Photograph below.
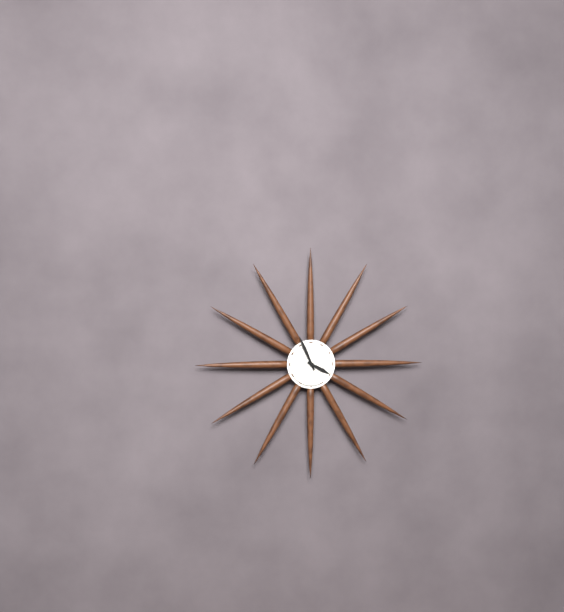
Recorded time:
3,56
